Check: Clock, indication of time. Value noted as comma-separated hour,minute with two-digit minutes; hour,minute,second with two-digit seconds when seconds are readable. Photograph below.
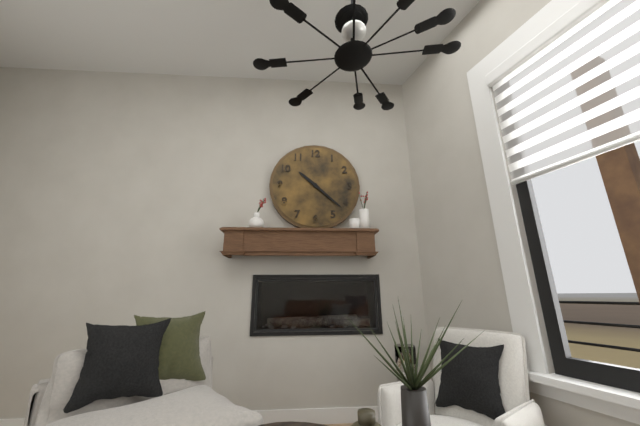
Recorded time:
10,22
